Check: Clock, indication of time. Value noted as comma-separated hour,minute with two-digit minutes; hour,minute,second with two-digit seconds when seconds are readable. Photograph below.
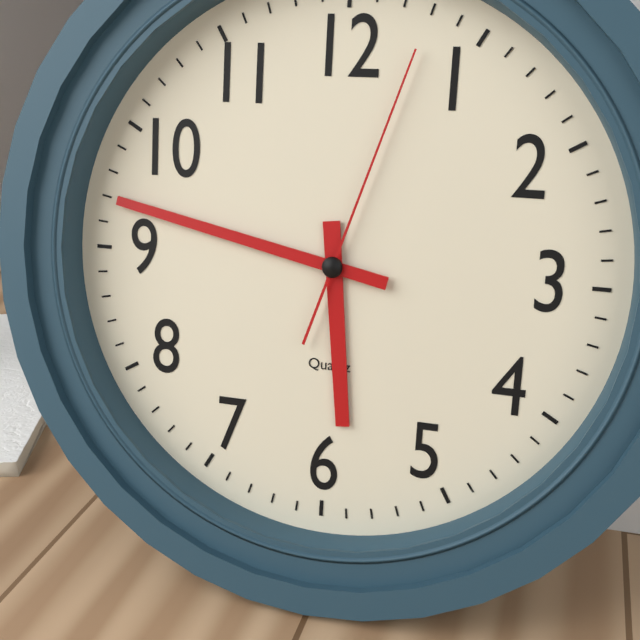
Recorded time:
5,47,03
